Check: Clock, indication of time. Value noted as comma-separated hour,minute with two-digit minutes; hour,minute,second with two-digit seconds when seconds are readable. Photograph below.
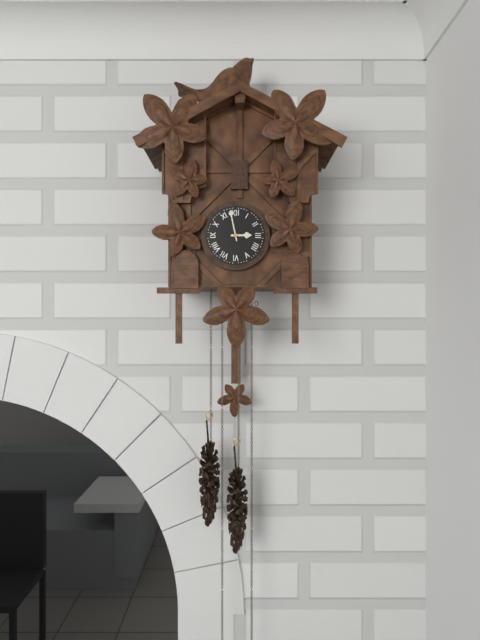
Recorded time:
2,58
